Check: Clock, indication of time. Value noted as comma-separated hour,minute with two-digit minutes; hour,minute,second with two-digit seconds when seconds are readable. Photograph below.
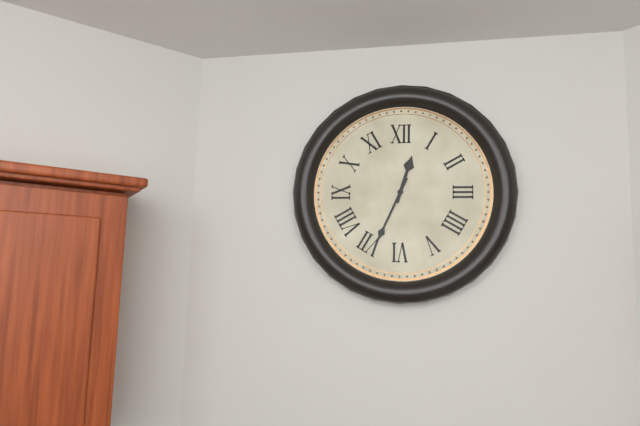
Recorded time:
12,34
